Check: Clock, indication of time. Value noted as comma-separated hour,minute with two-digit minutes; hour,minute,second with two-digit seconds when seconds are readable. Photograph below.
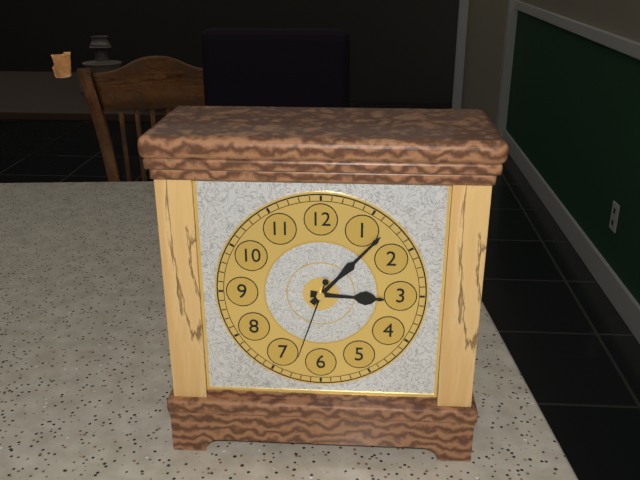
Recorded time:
3,07,33
